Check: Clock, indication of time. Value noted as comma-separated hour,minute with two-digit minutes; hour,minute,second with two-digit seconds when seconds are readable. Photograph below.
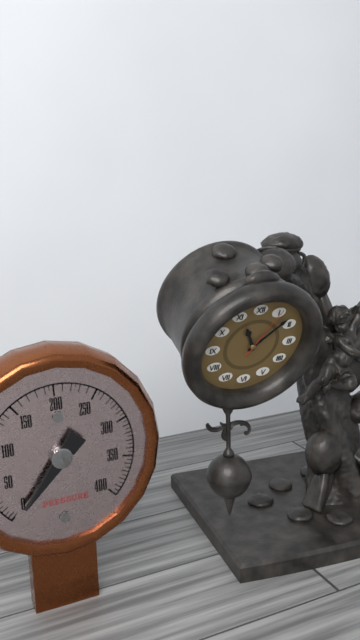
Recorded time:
11,08,05
